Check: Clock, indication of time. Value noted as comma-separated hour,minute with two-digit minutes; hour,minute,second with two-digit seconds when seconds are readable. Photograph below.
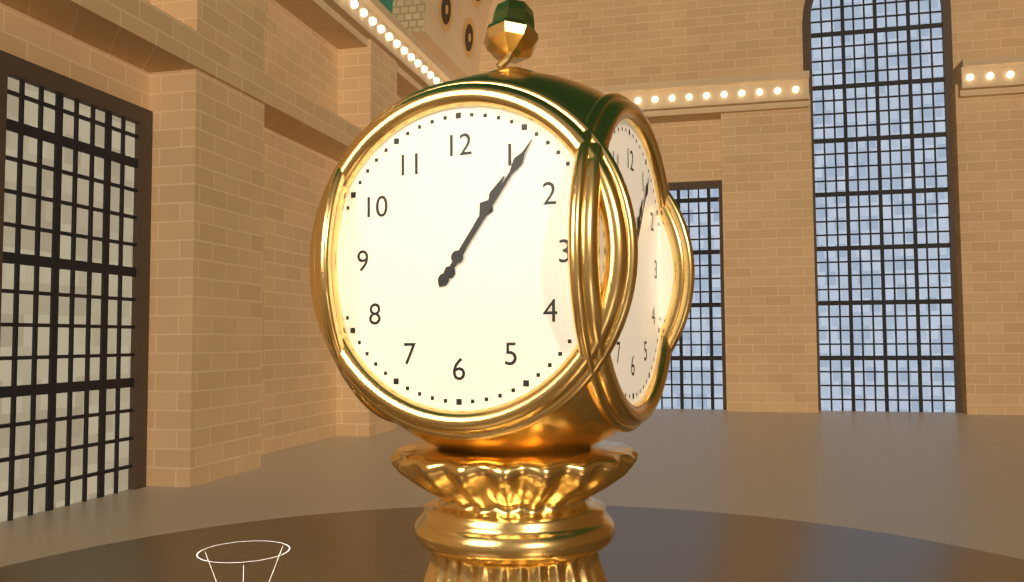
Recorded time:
1,06
